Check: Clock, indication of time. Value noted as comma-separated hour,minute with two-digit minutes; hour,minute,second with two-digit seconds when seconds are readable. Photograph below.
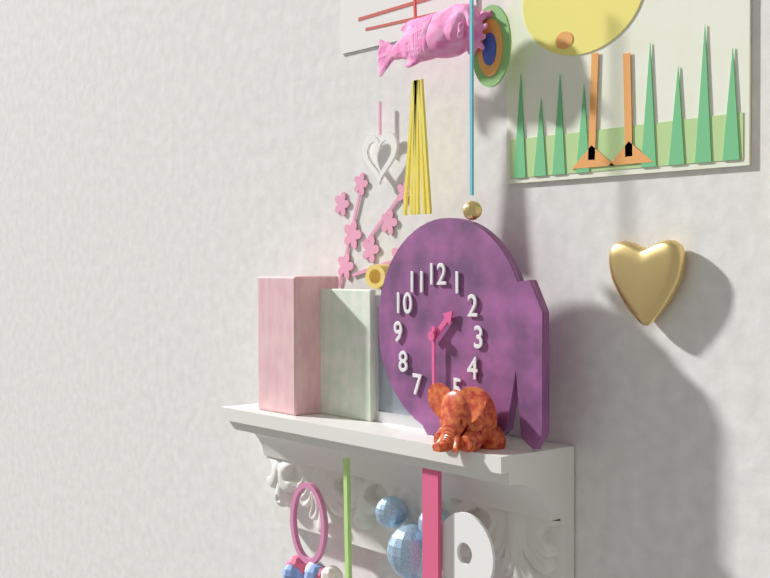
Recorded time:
1,30
